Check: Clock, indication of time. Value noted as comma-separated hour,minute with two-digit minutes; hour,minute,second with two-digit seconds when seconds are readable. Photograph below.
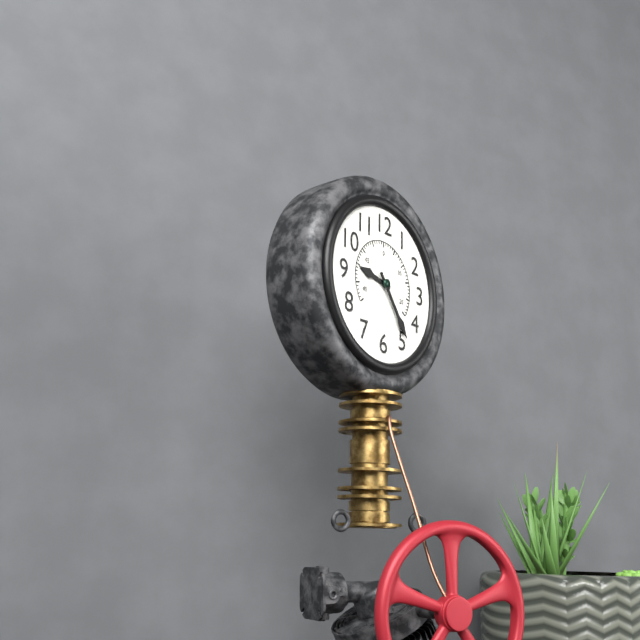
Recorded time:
9,24
